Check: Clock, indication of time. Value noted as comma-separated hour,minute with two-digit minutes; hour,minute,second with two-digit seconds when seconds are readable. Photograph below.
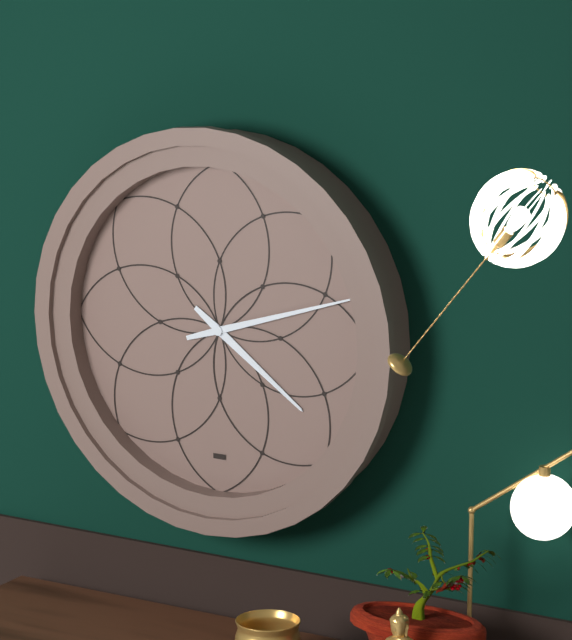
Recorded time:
4,12
